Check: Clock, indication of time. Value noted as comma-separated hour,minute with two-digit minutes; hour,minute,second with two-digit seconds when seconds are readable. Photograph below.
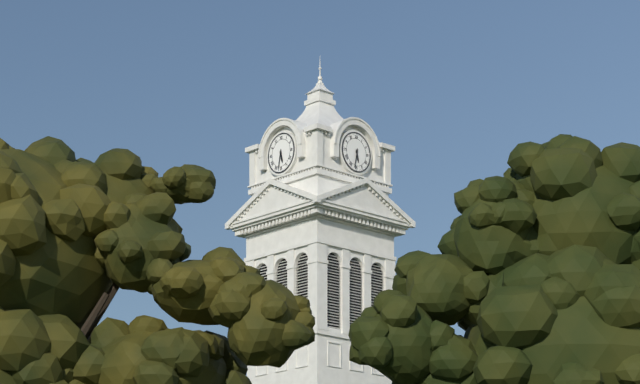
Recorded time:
5,32
